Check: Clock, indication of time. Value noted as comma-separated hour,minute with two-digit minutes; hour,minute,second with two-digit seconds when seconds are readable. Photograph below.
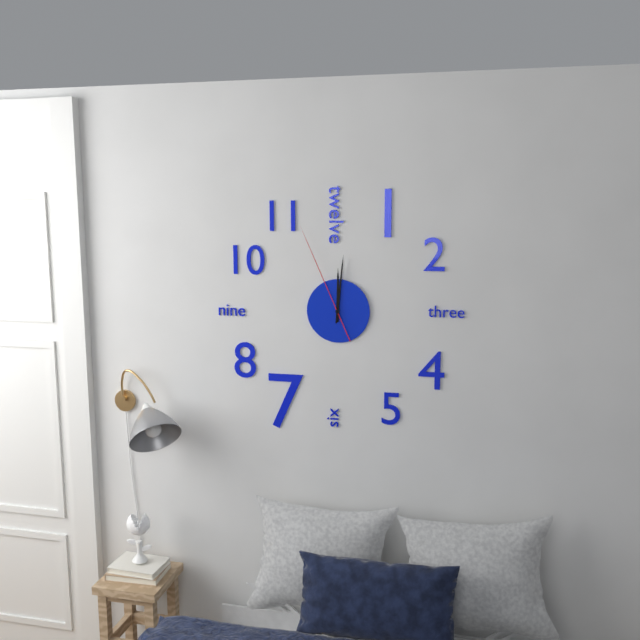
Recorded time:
12,01,56
